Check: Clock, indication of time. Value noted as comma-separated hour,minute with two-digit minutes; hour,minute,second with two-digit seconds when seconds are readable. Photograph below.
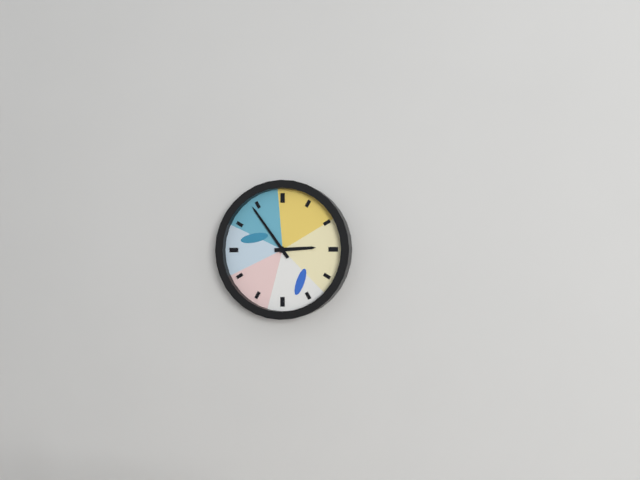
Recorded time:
2,54
